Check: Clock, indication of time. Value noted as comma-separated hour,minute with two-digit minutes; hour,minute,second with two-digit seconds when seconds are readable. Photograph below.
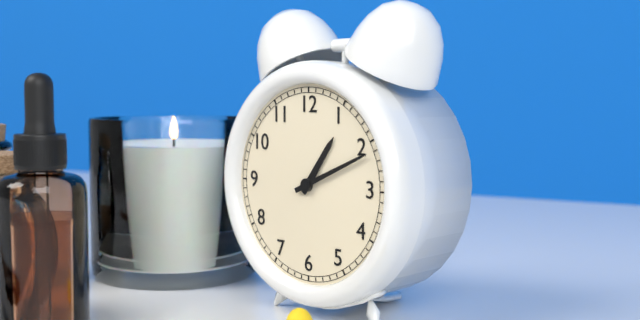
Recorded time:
1,11
